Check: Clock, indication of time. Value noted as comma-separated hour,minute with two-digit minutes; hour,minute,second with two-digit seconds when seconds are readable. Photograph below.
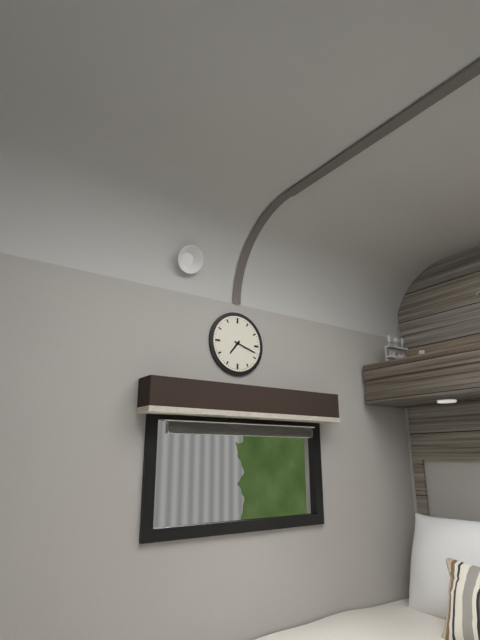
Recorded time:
7,18
